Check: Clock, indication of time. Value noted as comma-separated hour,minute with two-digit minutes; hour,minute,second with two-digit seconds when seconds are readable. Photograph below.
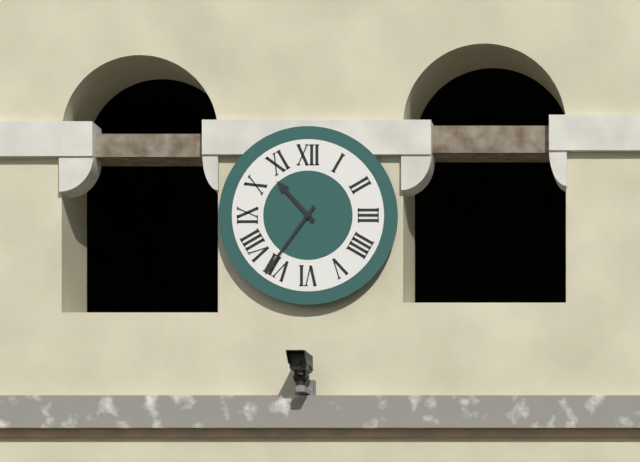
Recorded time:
10,36
